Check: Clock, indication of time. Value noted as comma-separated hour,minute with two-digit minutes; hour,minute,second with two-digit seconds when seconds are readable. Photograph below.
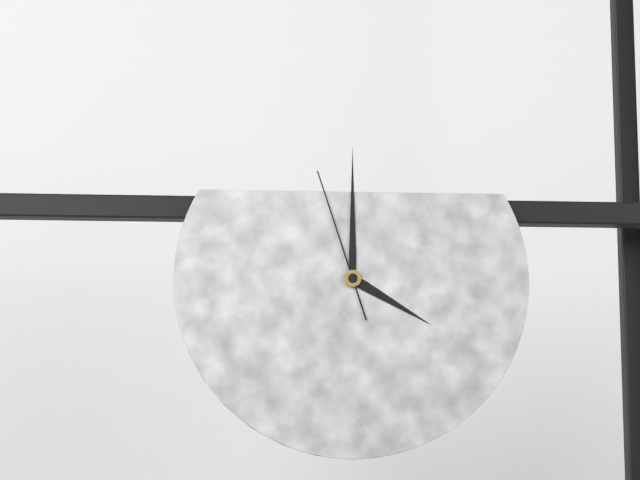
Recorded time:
4,00,57
